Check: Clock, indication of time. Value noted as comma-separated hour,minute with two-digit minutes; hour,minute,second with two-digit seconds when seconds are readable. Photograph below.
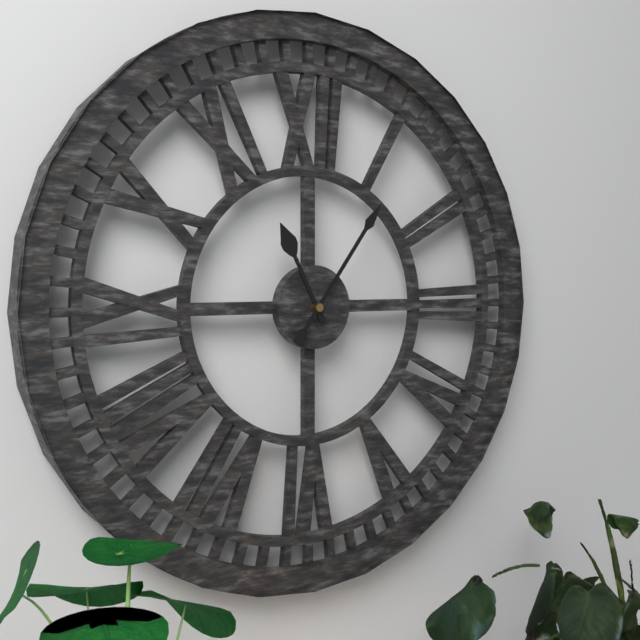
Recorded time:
11,06
